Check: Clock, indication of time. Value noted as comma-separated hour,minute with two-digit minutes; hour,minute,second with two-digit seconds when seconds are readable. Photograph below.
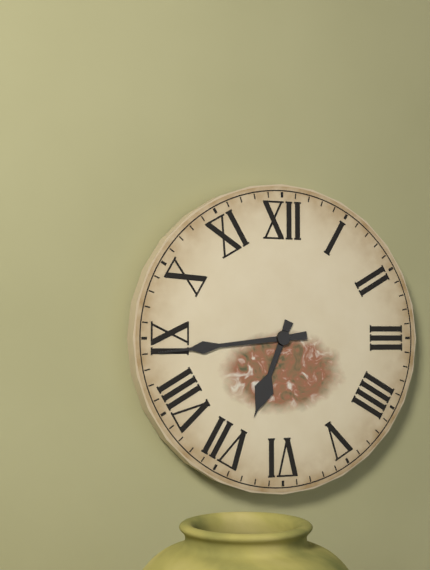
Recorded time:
6,44
